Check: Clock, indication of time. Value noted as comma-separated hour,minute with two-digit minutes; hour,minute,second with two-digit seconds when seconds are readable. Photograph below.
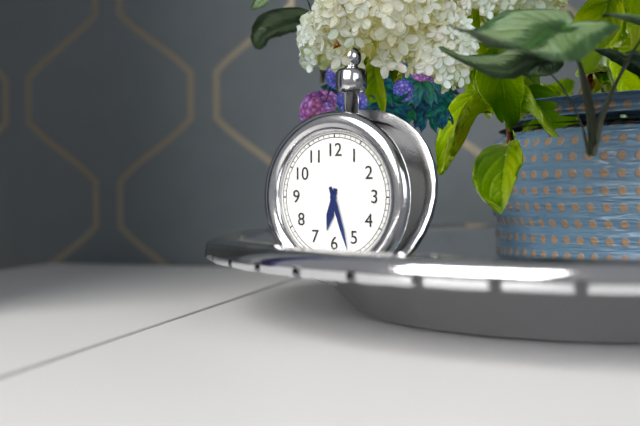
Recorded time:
6,27
